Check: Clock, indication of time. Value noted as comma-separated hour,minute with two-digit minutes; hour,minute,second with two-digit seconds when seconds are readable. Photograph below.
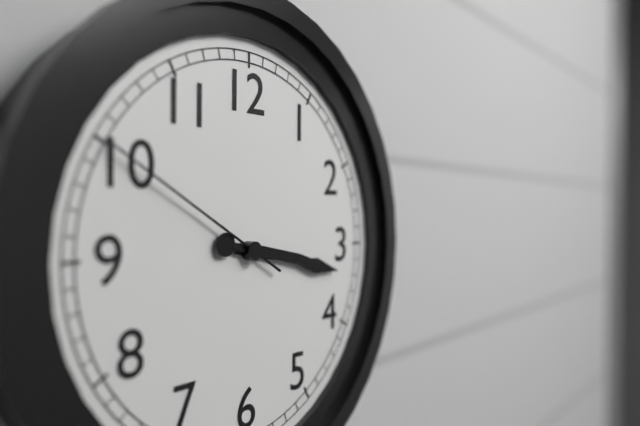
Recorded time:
3,17,50
